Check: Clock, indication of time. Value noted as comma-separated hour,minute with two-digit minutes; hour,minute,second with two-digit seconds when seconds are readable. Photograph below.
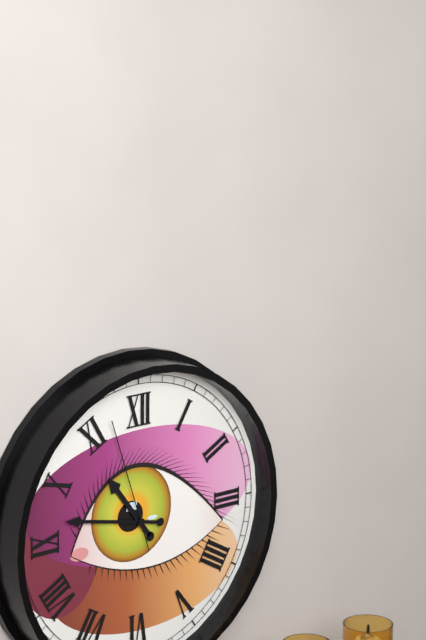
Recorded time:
10,47,57
